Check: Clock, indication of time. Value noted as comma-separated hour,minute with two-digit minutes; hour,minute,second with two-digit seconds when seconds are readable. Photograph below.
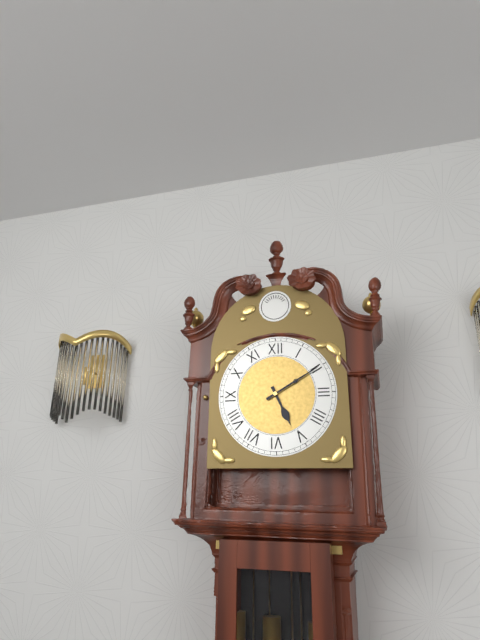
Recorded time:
5,10
